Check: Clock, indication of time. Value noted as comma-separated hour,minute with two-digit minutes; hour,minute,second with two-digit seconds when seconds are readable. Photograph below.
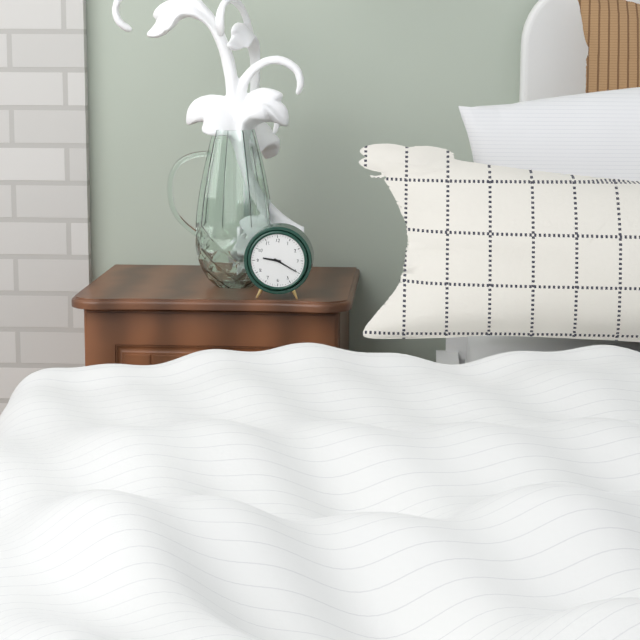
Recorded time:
9,20
